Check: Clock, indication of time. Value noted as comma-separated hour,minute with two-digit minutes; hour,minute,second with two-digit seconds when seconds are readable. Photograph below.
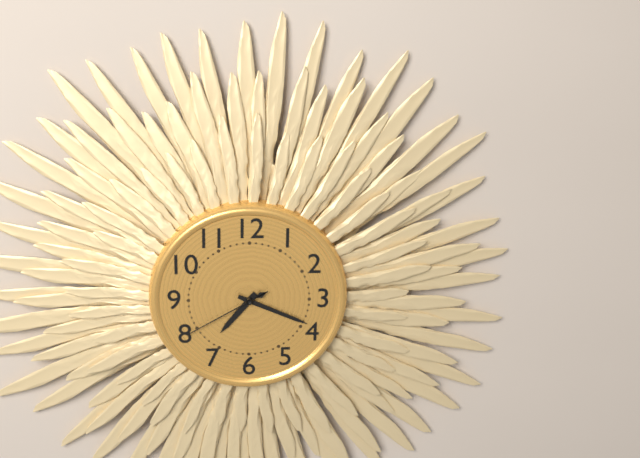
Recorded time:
7,19,40
